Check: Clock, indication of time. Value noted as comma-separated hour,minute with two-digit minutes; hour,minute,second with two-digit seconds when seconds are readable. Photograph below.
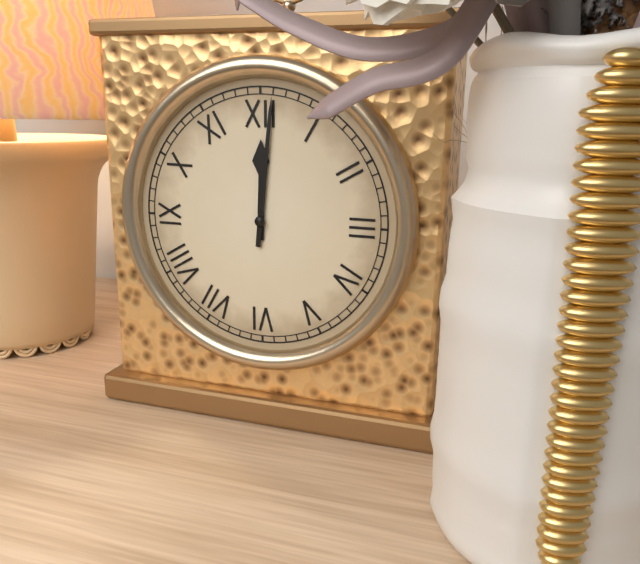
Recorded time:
12,01
